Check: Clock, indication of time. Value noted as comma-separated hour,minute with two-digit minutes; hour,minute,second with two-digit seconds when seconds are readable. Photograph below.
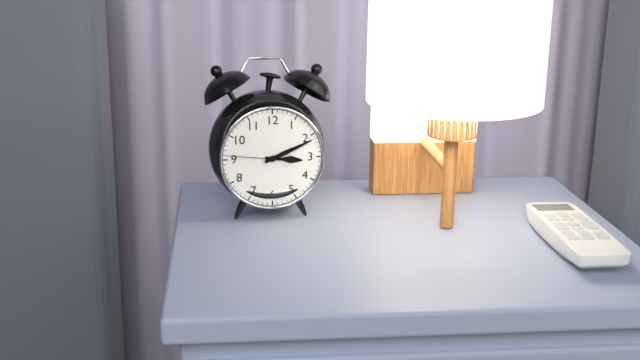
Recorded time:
3,11,46
